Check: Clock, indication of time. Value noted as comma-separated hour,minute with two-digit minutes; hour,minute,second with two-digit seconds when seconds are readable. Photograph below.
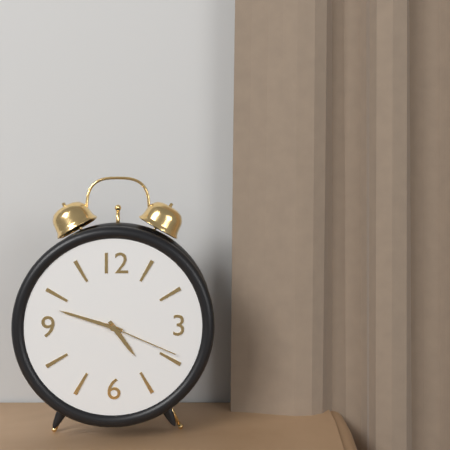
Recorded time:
4,48,19
